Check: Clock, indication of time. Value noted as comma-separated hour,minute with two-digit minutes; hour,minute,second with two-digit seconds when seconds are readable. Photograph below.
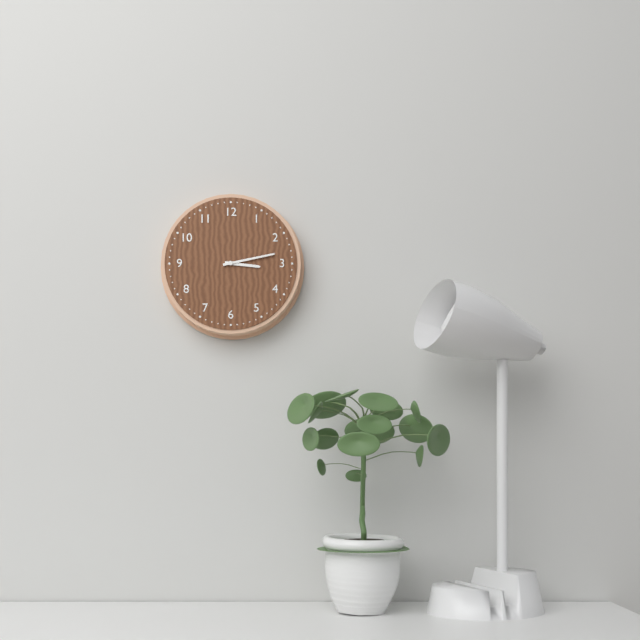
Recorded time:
3,13
